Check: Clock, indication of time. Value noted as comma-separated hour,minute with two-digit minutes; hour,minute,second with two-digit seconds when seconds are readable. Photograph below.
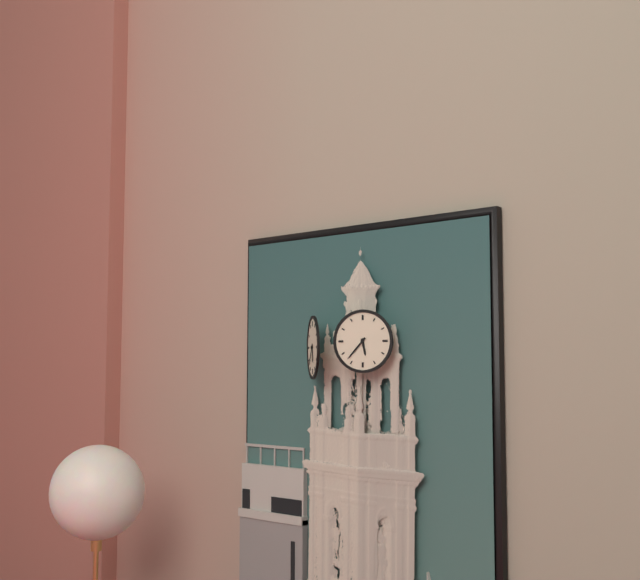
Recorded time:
5,37
